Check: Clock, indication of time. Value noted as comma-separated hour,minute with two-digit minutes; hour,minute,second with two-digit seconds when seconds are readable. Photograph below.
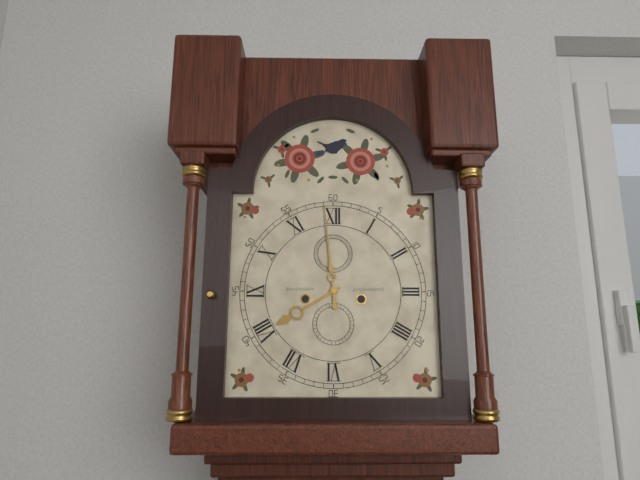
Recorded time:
7,59
